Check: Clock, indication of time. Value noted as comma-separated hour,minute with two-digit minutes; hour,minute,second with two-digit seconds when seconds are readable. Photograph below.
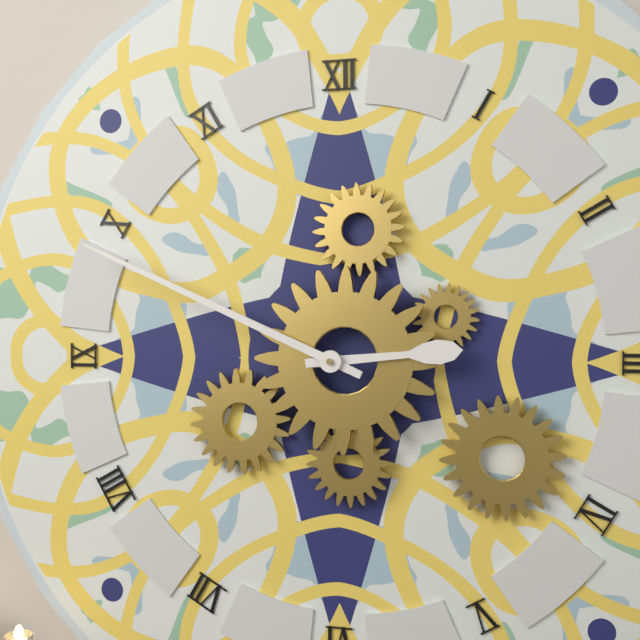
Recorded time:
2,49
